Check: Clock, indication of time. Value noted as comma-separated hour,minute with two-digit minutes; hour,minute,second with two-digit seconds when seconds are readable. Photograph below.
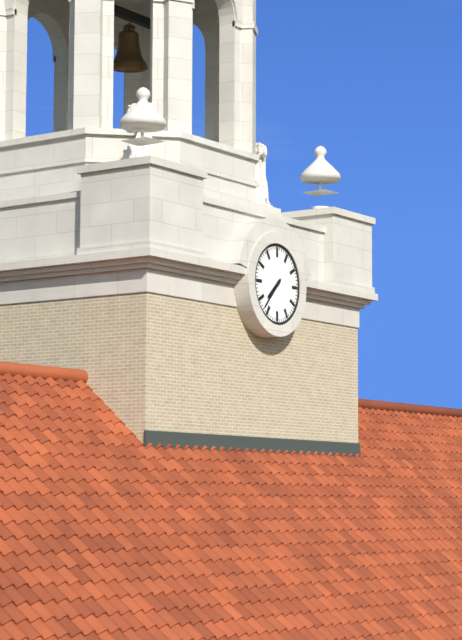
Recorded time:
7,37
